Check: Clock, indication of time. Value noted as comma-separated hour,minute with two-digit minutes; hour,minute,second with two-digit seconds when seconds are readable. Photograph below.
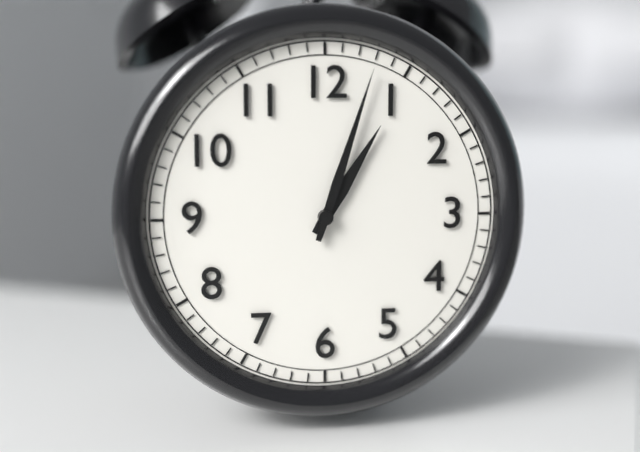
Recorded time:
1,03
